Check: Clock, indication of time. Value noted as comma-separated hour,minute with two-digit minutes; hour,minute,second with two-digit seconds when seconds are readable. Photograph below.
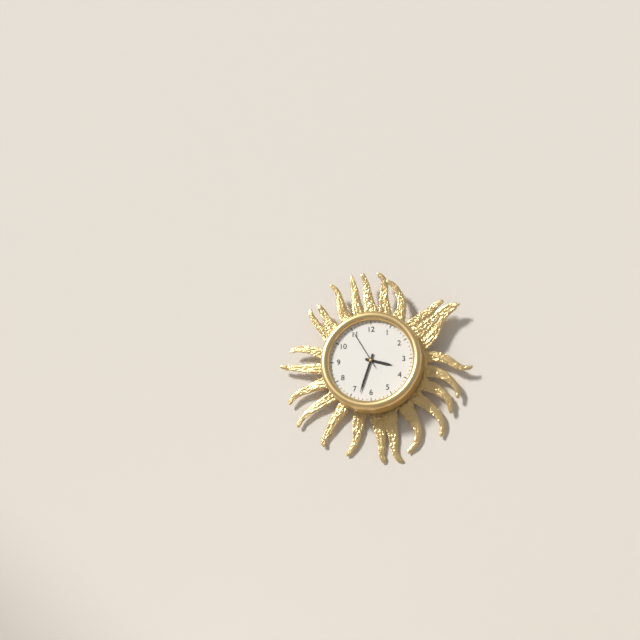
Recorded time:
3,33
